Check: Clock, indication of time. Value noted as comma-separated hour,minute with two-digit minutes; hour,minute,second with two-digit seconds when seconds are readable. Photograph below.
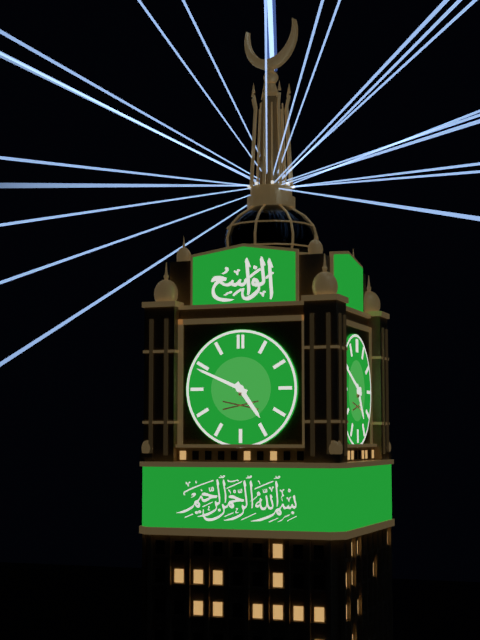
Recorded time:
4,49
